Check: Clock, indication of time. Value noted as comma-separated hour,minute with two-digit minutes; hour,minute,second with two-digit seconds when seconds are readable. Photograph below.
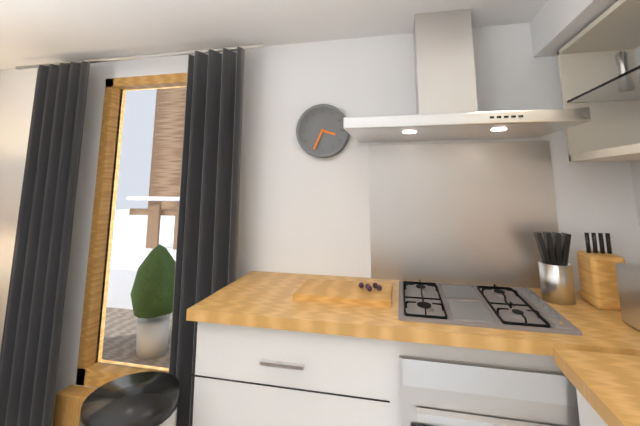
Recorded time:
3,34
